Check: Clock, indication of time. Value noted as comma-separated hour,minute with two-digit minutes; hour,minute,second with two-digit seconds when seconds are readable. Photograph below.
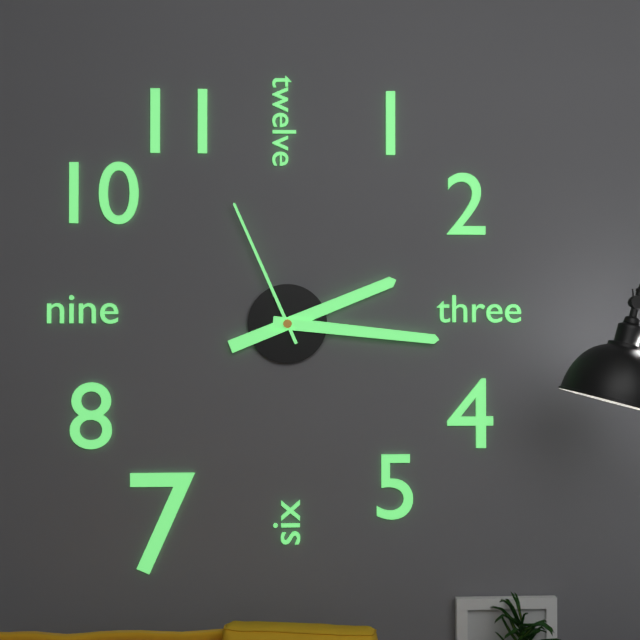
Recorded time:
2,16,56
